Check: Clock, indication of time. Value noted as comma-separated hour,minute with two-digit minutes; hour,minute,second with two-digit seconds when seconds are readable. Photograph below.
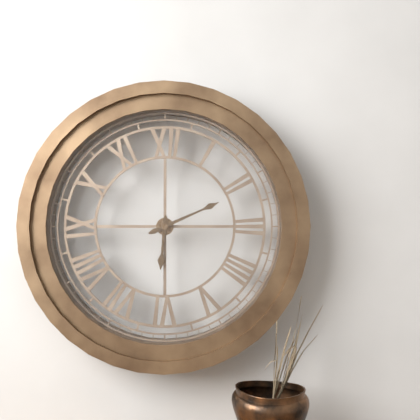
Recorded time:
6,11
